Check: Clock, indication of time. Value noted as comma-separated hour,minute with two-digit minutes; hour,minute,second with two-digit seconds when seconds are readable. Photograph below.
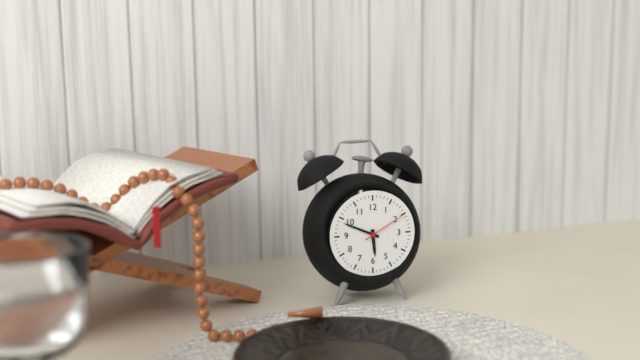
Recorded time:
5,49
